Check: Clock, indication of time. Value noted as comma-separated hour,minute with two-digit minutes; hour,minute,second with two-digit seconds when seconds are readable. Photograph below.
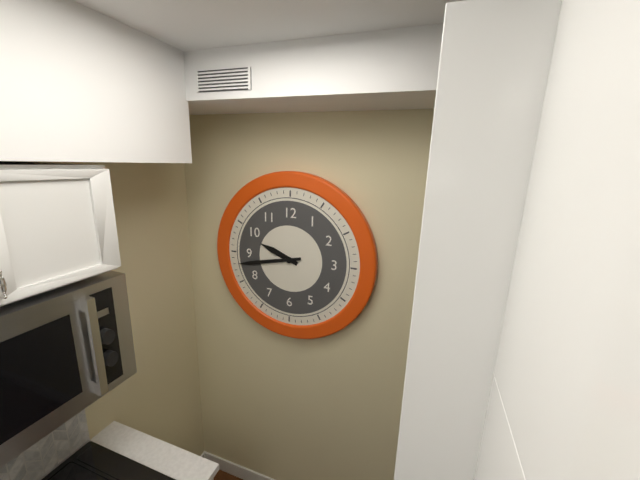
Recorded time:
9,43
